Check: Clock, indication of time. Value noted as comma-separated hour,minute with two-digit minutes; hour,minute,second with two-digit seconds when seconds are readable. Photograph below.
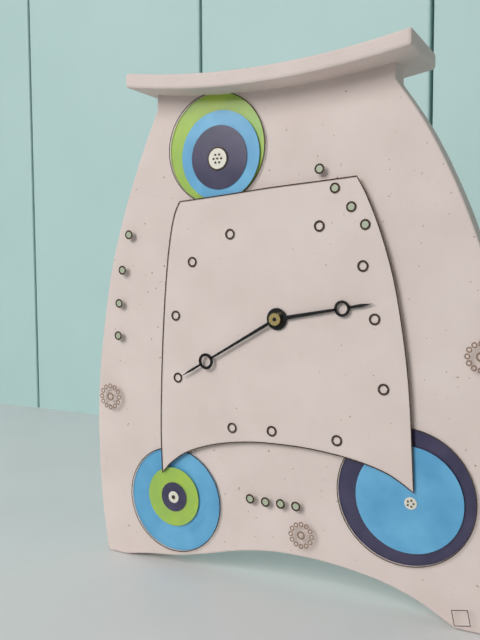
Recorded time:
2,40
